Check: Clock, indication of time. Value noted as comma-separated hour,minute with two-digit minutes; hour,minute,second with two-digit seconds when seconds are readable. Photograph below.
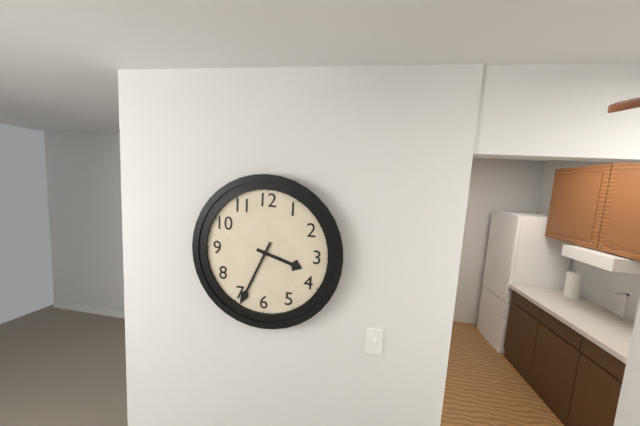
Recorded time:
3,34
